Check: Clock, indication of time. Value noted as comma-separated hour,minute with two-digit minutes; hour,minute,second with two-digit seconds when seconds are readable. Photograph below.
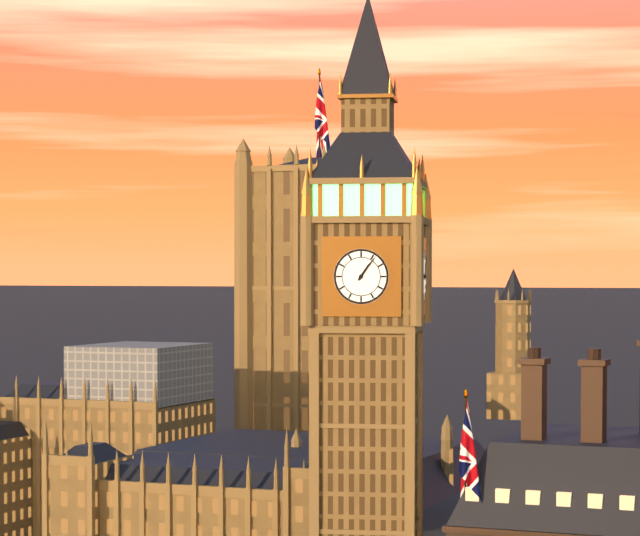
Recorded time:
1,06
